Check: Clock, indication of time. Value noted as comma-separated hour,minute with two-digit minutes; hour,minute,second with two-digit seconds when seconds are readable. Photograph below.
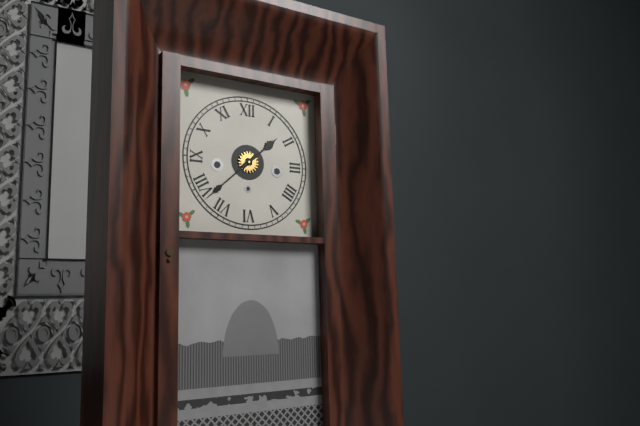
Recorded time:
1,38
